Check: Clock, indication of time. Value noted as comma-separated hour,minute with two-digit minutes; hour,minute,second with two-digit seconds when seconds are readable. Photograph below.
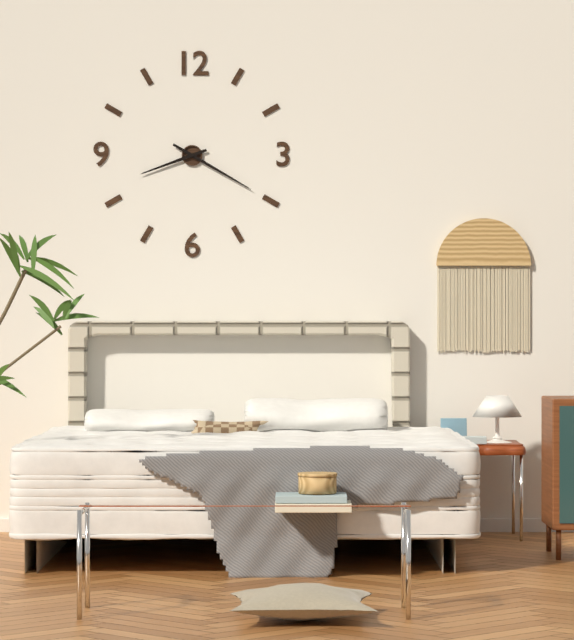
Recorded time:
8,20
